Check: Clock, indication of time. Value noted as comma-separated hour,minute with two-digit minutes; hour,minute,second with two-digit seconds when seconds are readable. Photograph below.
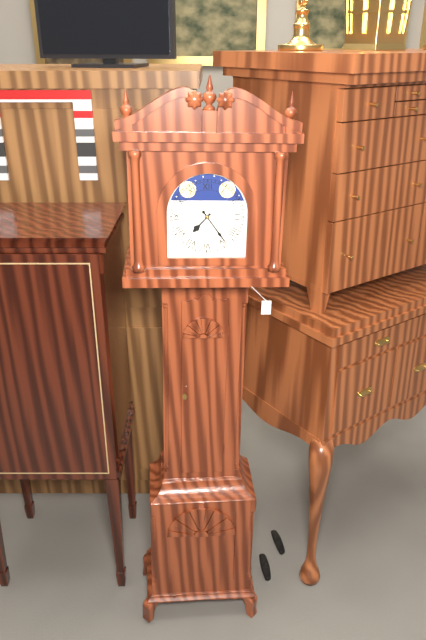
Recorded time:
7,24
